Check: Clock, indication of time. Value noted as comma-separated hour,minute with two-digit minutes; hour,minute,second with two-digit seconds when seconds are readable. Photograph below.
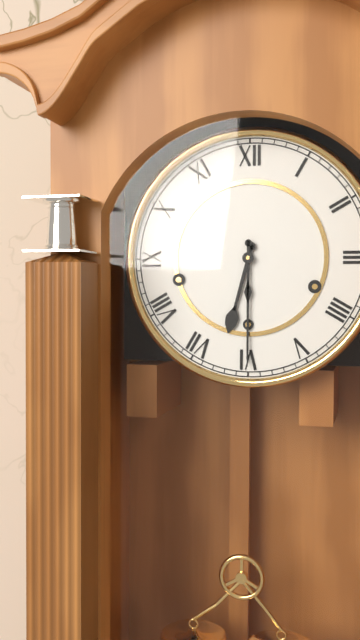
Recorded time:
6,30
